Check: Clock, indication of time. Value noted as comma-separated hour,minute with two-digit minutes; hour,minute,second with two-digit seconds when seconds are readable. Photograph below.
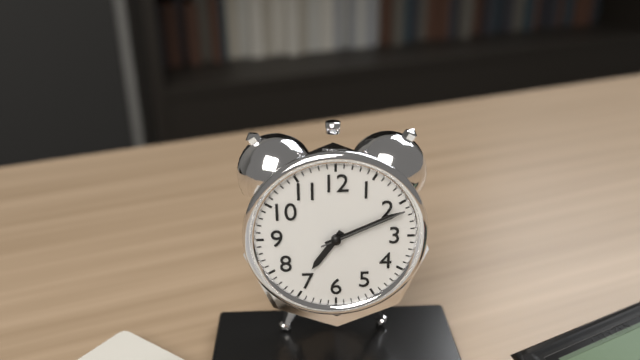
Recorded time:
7,11,11
